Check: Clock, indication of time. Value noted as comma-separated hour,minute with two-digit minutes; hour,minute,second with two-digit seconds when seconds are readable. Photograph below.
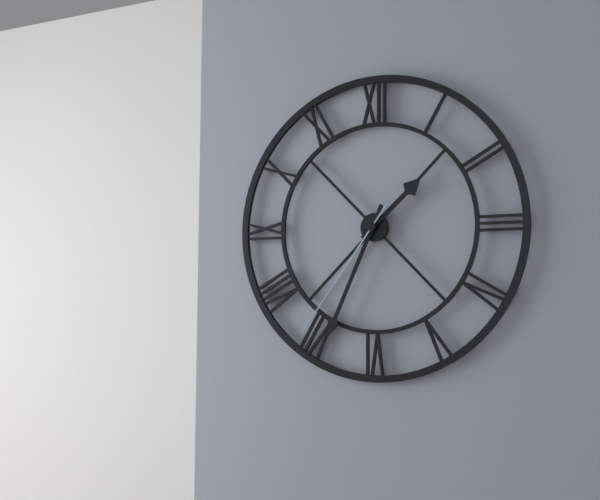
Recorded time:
1,34,36
